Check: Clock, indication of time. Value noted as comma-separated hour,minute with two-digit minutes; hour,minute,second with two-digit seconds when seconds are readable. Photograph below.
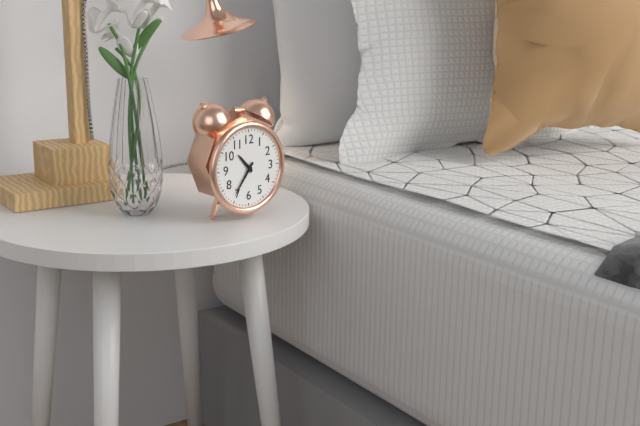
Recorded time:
10,36
